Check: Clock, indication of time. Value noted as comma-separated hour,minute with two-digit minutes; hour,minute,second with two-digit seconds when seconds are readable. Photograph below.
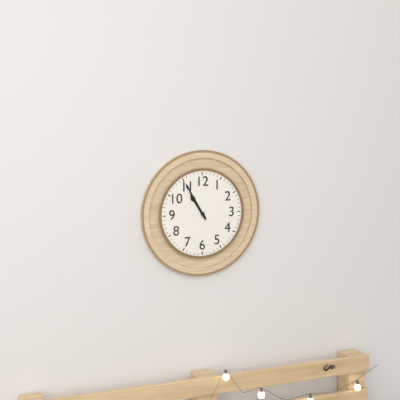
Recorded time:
10,55
